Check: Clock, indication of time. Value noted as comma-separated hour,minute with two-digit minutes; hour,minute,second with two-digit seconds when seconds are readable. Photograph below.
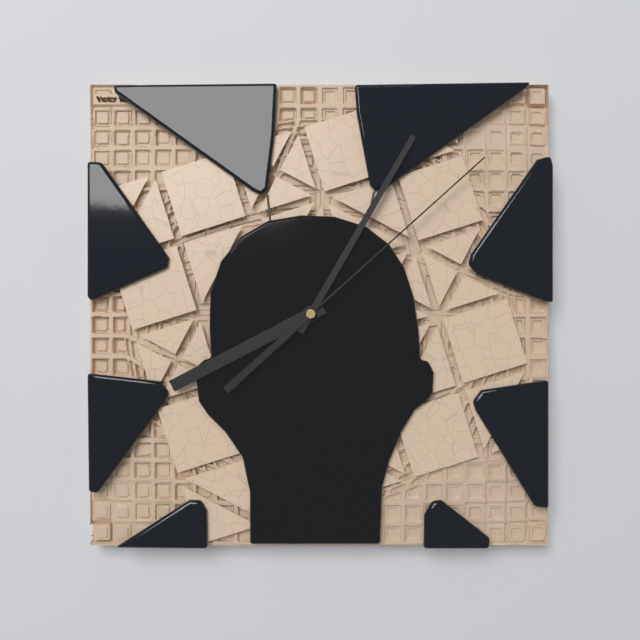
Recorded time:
8,05,08
